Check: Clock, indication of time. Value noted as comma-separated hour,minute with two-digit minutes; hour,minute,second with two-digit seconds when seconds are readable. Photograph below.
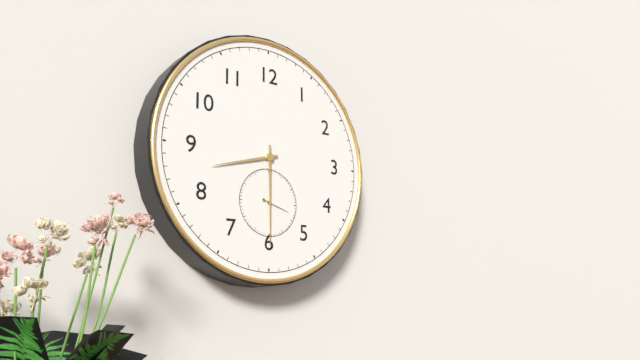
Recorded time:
8,30
